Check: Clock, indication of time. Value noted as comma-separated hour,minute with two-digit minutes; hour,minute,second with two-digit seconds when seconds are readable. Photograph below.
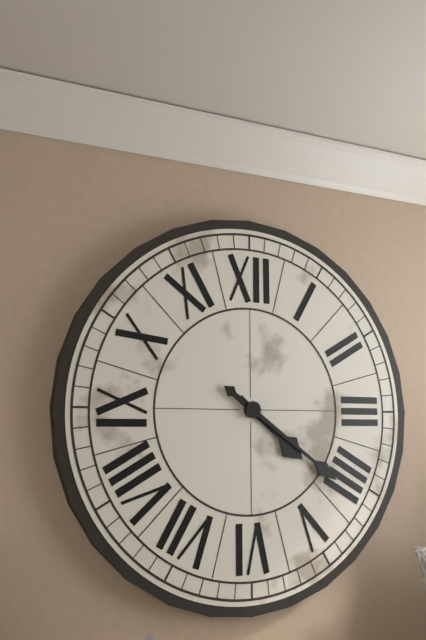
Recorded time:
4,21
